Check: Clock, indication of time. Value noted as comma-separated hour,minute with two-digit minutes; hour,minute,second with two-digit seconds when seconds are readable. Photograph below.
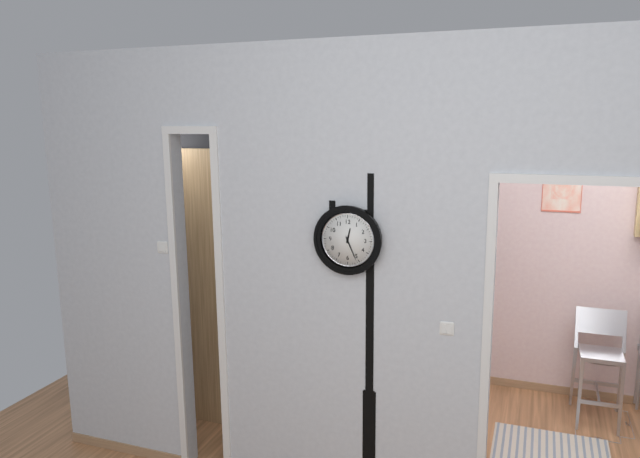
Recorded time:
12,26
